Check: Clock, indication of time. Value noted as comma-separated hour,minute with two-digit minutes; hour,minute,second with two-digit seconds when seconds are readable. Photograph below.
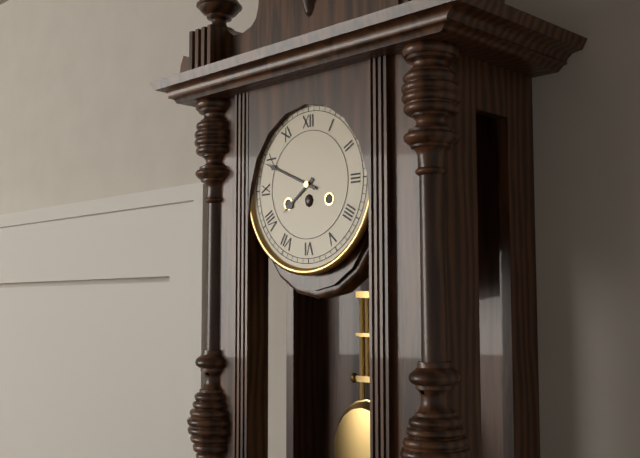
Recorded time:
7,49
